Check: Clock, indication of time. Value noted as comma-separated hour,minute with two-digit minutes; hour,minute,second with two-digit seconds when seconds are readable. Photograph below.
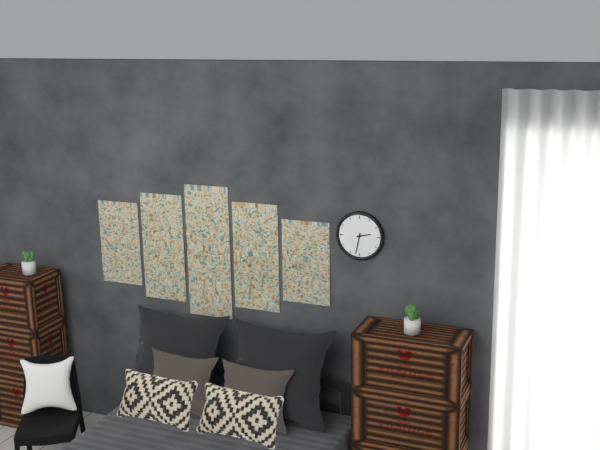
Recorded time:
2,32
